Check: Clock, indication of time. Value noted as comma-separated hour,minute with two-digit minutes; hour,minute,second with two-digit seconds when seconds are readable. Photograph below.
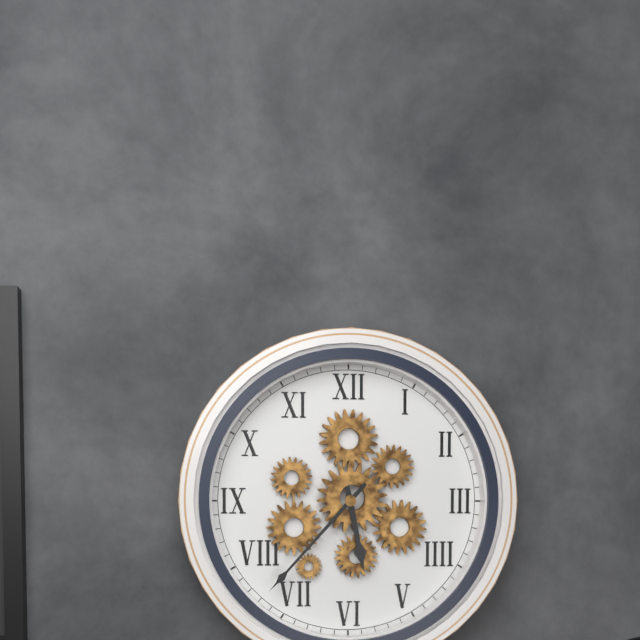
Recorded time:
5,37
